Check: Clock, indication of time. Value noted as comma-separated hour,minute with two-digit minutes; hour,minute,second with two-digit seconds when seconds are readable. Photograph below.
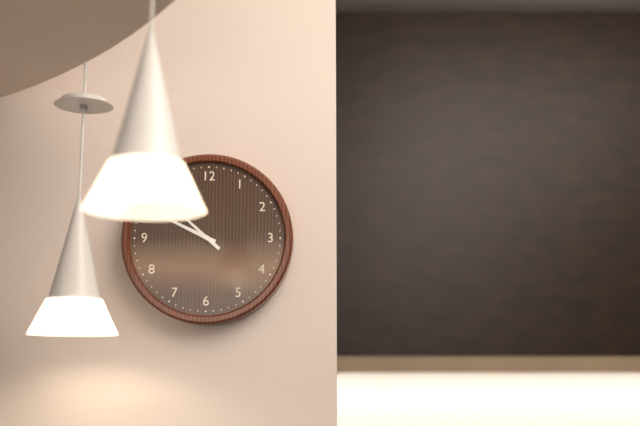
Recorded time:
9,52
